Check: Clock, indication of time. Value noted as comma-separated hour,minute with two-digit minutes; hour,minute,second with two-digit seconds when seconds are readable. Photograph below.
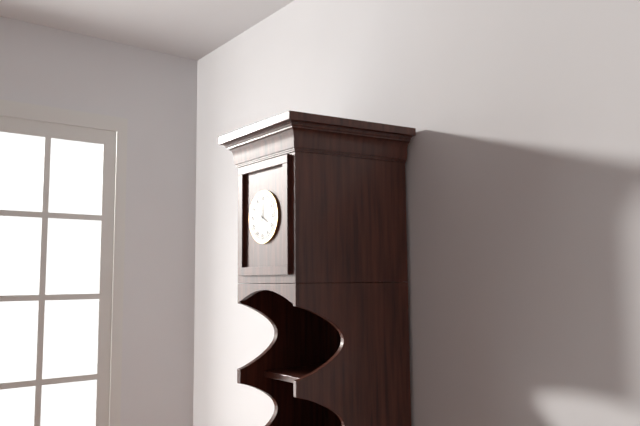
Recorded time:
4,01
